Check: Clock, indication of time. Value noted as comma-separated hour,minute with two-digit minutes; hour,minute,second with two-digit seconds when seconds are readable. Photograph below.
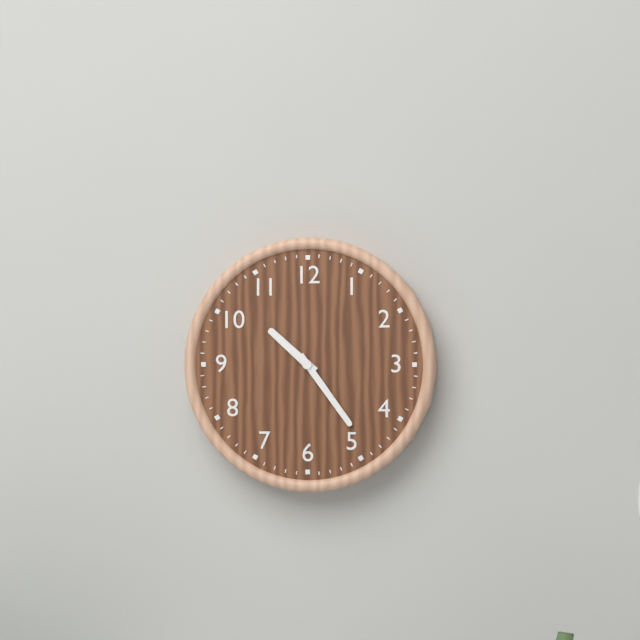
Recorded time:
10,24
